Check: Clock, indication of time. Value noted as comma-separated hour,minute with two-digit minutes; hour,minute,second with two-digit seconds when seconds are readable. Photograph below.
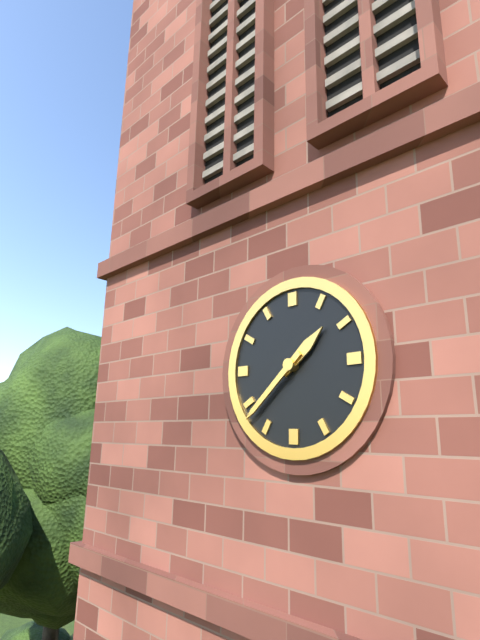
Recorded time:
1,38
